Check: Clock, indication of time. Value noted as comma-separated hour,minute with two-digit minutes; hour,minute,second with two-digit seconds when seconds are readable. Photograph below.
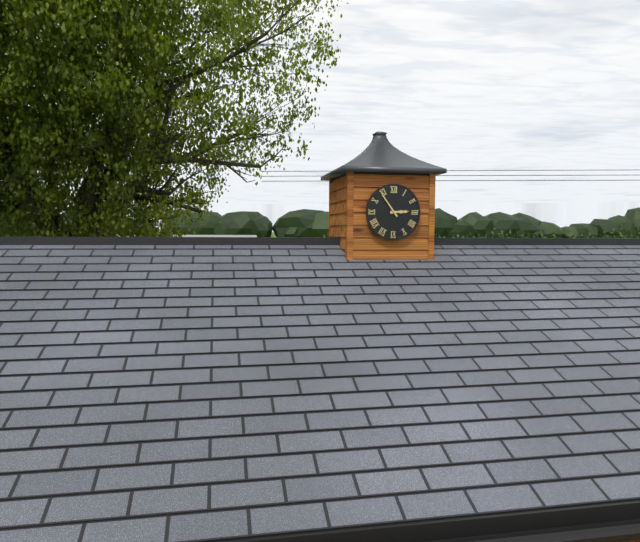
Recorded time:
2,54
